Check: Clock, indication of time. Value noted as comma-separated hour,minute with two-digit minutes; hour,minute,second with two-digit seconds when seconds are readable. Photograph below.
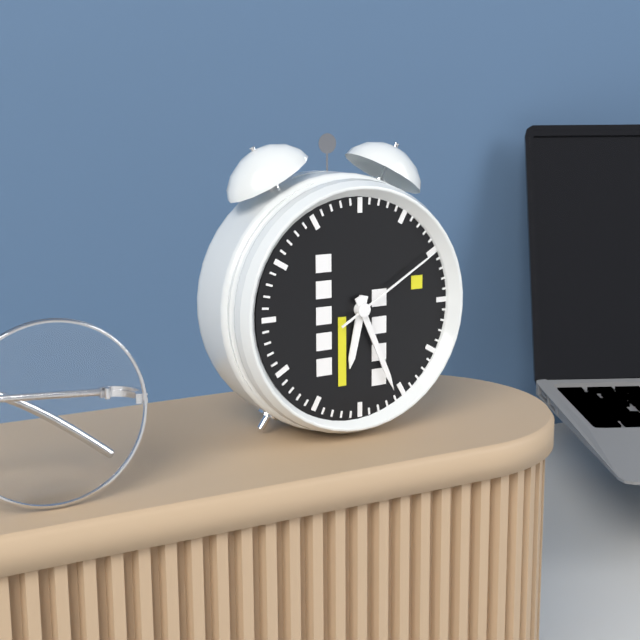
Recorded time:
6,26,10
